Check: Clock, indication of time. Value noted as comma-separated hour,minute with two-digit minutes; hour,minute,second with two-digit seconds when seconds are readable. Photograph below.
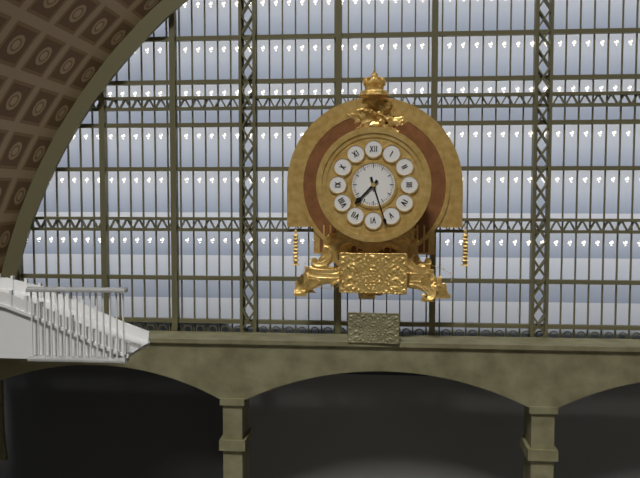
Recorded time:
7,27
